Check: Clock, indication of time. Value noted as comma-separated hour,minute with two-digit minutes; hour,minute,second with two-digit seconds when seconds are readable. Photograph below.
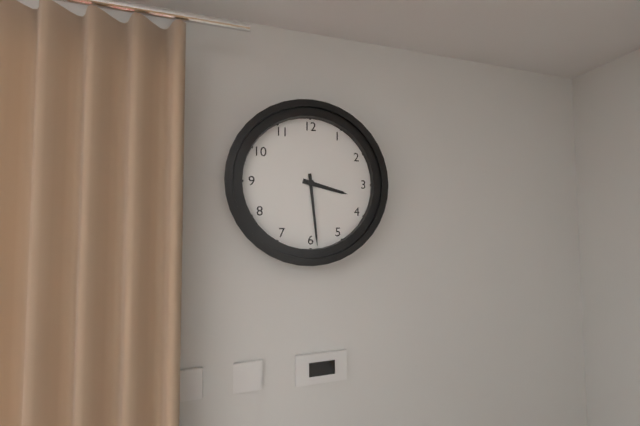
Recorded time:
3,29
